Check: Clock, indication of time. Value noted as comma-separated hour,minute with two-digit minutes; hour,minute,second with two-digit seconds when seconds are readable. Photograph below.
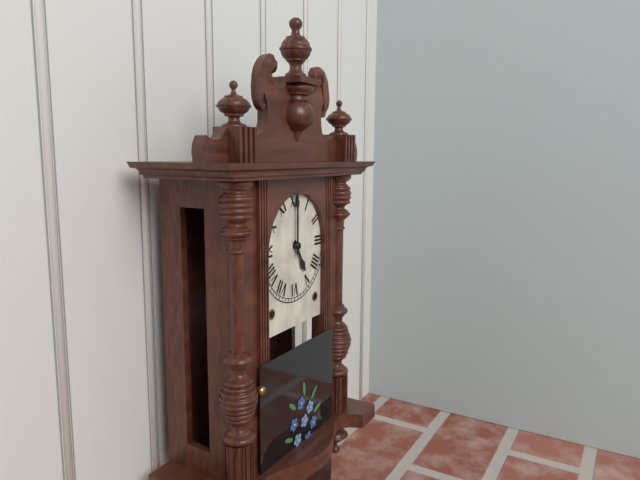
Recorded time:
5,00
